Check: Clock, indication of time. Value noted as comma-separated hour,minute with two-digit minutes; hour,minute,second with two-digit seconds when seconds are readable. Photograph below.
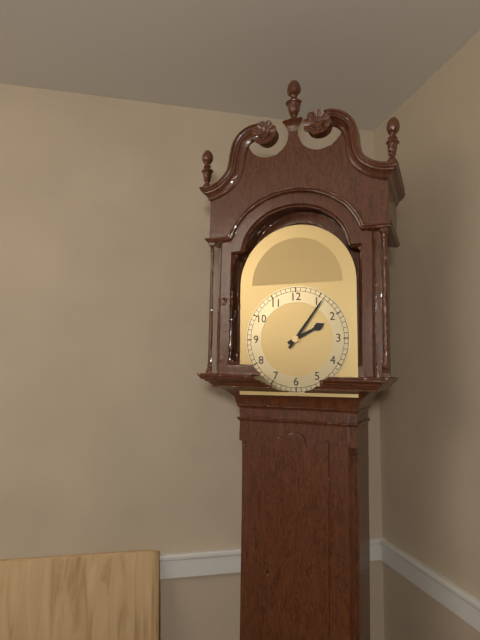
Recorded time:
2,06
